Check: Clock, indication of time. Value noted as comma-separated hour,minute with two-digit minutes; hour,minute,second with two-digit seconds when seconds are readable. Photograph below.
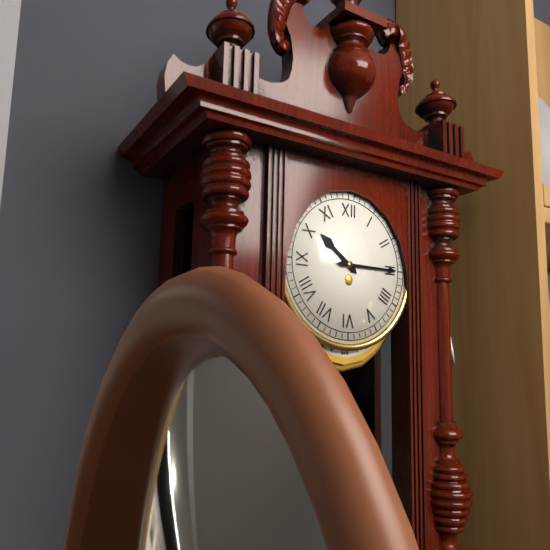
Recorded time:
10,15
